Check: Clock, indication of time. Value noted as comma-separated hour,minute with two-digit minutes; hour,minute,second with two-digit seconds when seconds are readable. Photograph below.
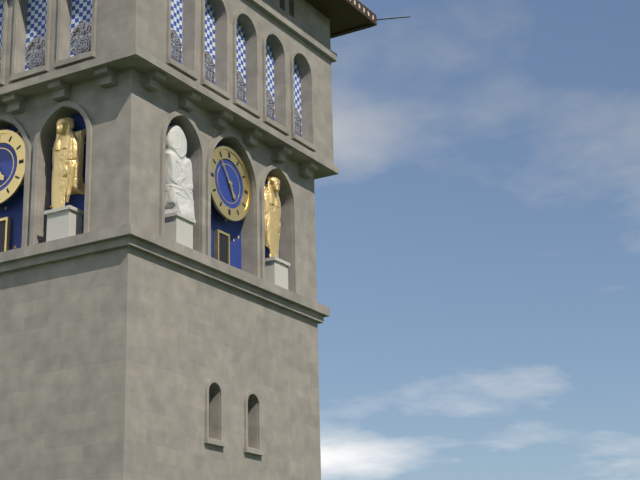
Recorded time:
4,54
